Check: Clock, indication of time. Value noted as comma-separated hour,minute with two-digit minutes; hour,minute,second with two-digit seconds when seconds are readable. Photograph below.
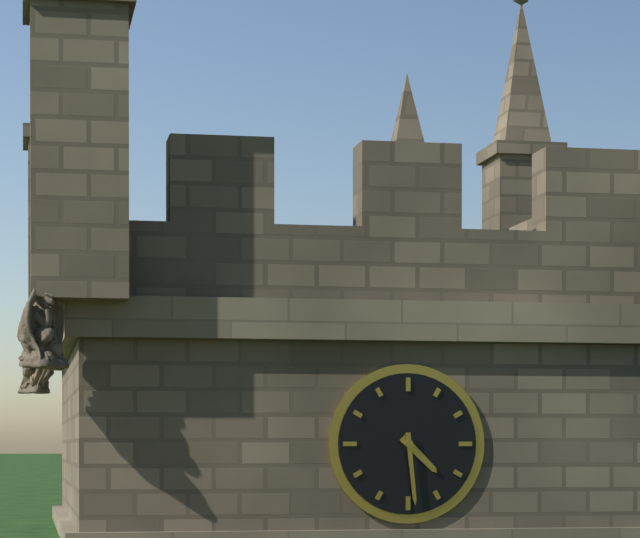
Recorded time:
4,29
